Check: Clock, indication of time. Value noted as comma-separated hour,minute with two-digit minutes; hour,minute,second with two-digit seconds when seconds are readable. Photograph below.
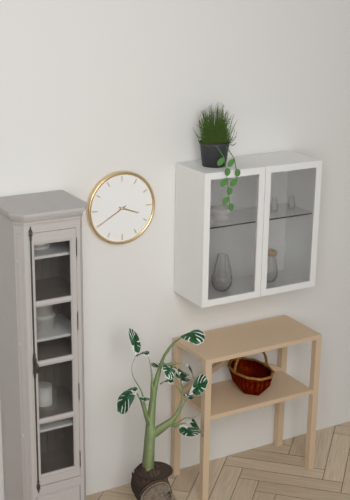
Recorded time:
3,40
